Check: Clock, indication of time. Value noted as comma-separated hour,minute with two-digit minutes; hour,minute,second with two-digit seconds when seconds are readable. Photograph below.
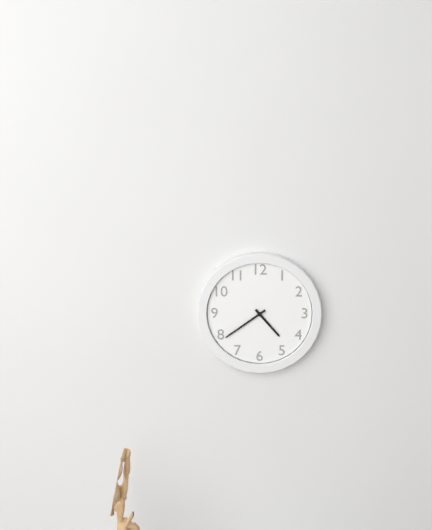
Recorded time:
4,39
